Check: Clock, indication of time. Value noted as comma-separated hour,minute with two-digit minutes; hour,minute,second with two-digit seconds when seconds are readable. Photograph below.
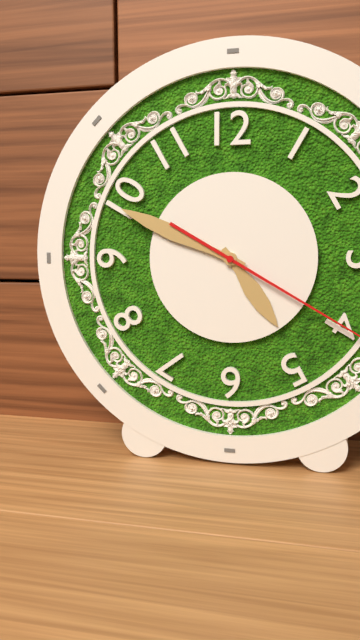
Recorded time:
4,49
